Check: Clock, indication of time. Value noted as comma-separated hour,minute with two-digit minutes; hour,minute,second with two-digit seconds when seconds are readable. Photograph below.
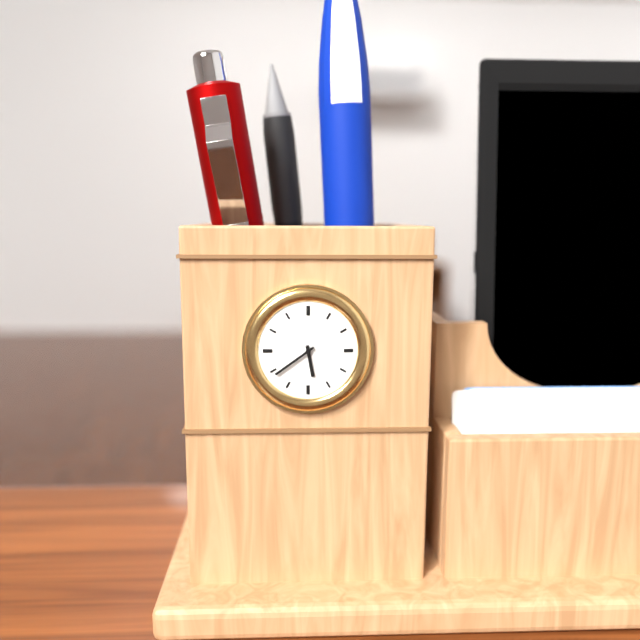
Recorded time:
5,39
